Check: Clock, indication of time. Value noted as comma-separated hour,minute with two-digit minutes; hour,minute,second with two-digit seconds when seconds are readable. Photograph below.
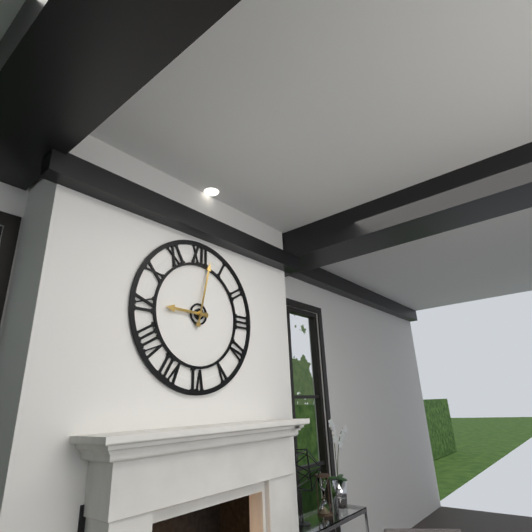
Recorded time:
9,02
